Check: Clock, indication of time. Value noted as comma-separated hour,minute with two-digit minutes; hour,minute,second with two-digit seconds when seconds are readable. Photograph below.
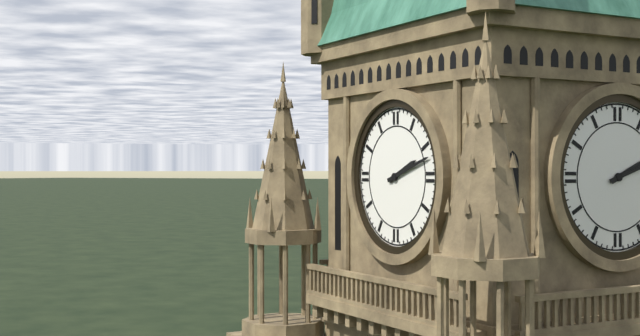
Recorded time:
2,12
